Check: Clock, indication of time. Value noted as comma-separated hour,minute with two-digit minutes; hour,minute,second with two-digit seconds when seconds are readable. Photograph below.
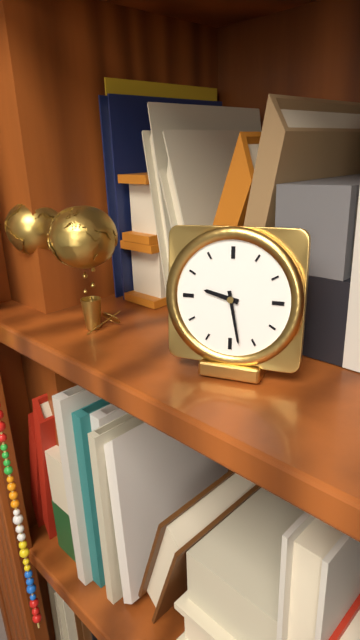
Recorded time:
9,28
